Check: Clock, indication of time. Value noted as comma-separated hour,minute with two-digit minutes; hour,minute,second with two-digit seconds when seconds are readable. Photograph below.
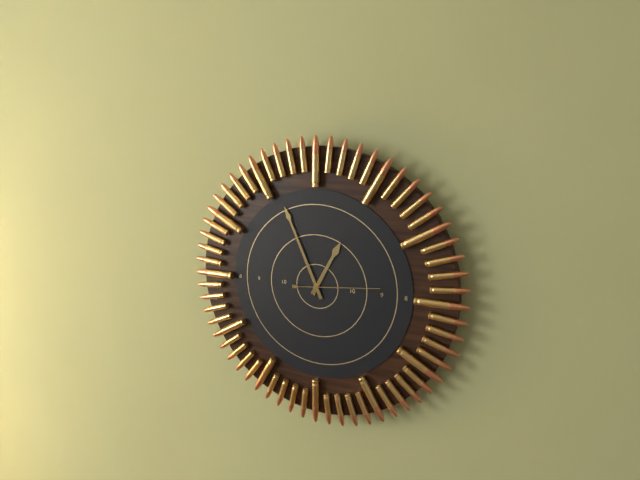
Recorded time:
12,56,14
